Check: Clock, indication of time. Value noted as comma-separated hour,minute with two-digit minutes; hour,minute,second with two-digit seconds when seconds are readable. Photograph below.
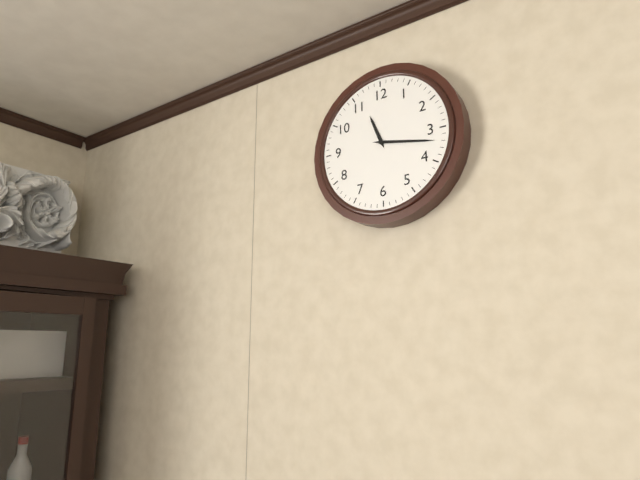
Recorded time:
11,17
